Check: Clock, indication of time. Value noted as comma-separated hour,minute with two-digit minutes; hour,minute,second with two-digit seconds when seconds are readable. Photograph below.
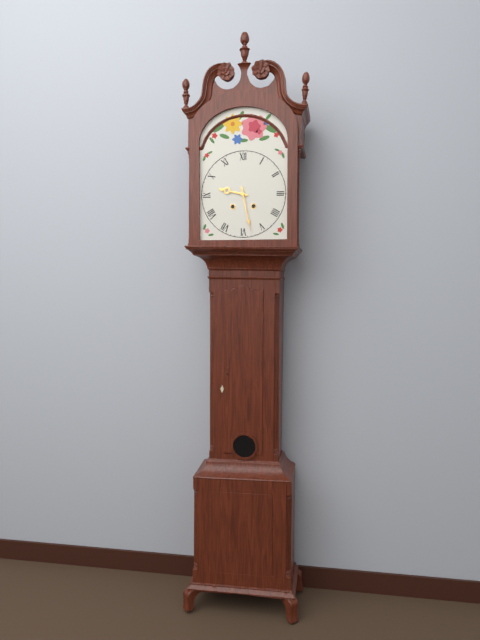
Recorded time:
9,28
